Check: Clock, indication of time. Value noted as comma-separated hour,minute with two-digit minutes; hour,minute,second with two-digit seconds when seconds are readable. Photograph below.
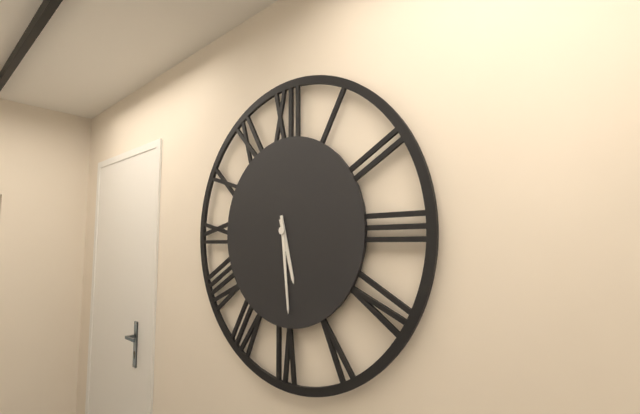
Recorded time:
5,29
